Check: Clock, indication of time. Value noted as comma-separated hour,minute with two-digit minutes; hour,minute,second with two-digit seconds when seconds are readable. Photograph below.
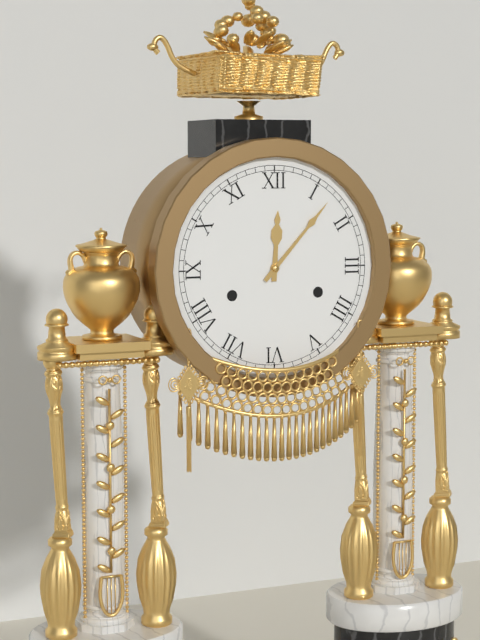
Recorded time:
12,07
